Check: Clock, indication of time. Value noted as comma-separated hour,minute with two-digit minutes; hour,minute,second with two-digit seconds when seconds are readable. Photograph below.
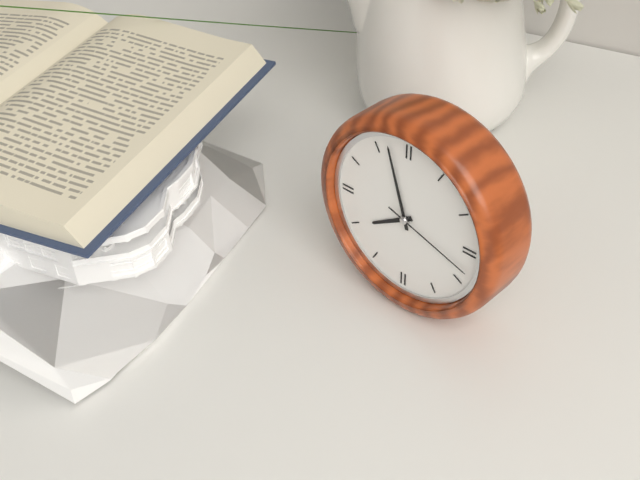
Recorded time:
7,57,18
